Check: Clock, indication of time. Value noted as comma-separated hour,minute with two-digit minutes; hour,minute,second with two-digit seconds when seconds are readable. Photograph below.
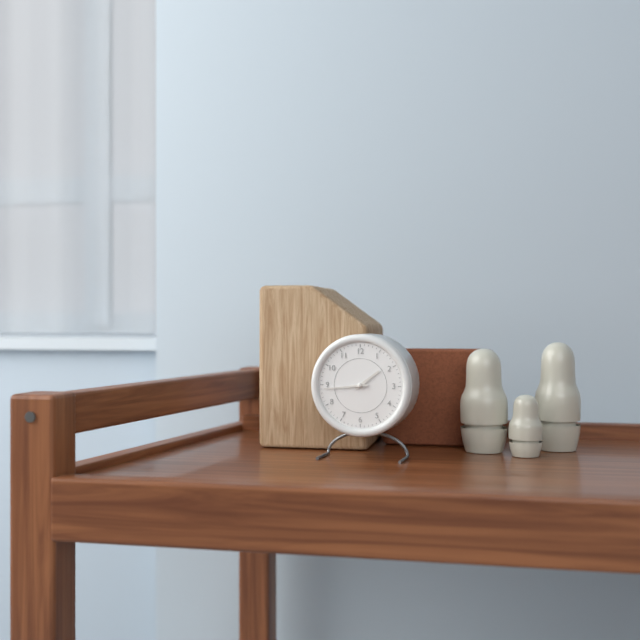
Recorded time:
1,44
